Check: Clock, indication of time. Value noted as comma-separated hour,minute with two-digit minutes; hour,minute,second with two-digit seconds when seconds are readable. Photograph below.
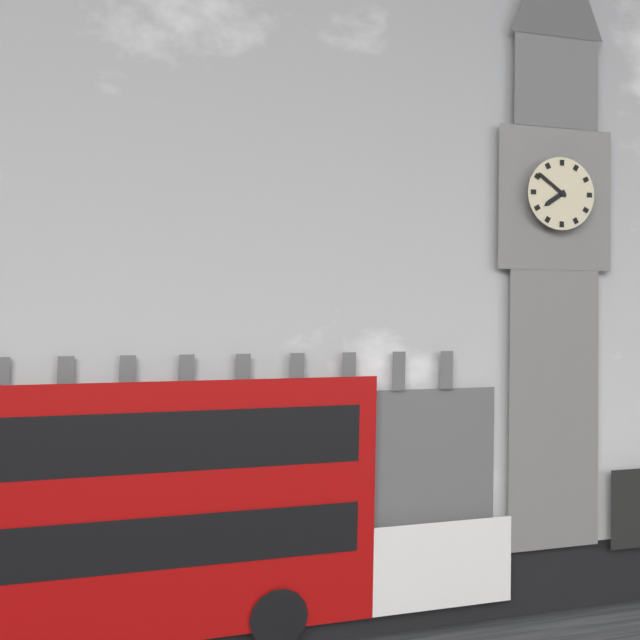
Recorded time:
7,51
